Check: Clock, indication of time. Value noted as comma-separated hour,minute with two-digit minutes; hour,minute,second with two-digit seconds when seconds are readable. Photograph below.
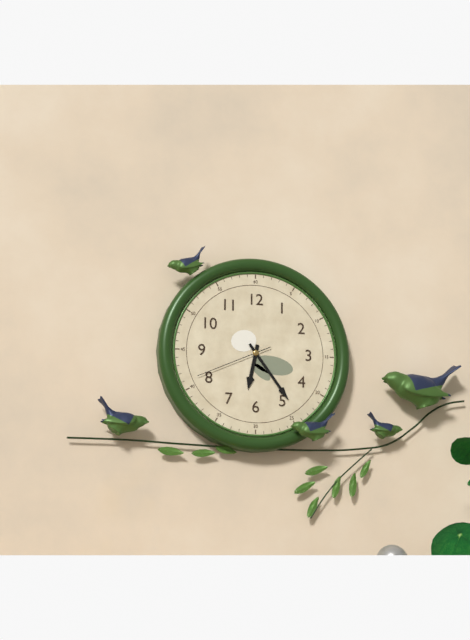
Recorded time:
6,24,41
